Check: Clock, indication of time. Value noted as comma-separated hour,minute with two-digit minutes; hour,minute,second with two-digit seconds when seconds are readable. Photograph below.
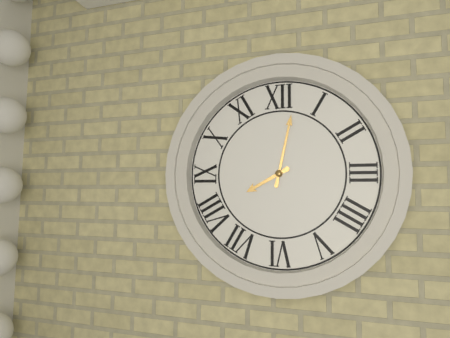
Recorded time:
8,02
